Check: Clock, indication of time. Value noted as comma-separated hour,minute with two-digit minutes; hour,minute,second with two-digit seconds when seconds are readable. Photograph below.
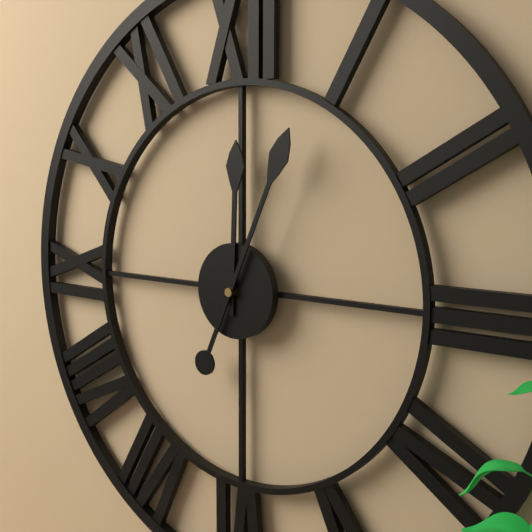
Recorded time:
12,04
